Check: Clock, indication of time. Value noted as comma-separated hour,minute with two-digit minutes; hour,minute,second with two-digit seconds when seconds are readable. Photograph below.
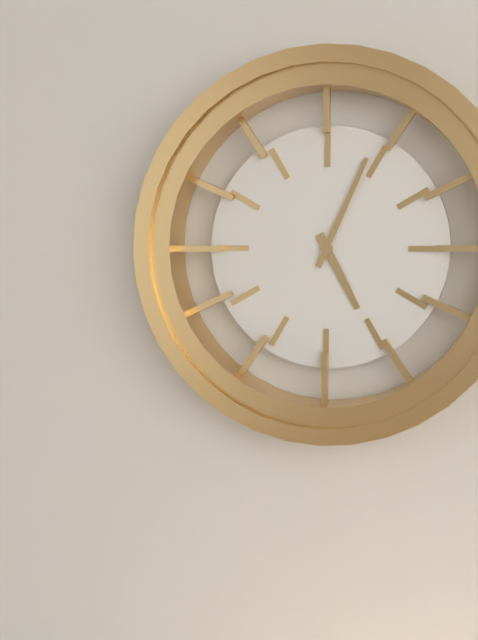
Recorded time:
5,04
